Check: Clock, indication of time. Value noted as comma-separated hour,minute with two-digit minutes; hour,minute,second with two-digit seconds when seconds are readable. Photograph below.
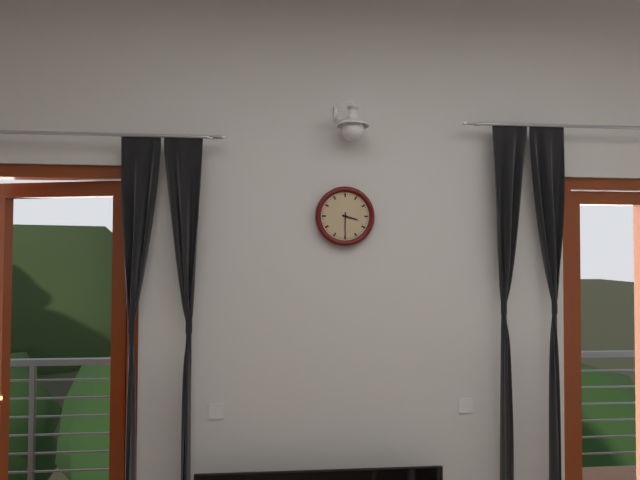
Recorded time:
3,30
